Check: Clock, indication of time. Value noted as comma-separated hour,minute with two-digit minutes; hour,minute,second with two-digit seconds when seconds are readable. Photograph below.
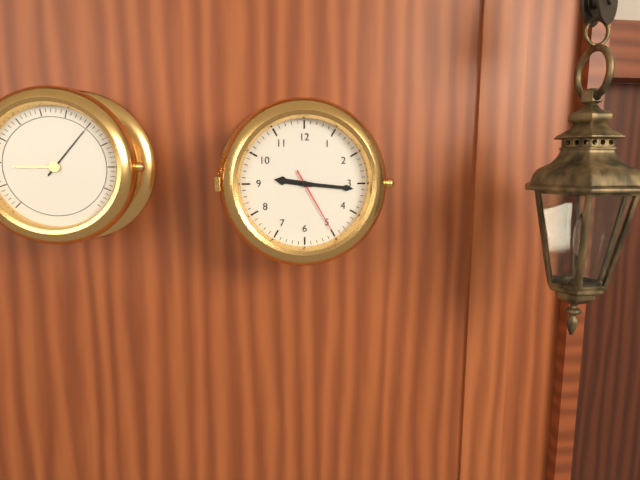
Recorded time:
9,16,25
